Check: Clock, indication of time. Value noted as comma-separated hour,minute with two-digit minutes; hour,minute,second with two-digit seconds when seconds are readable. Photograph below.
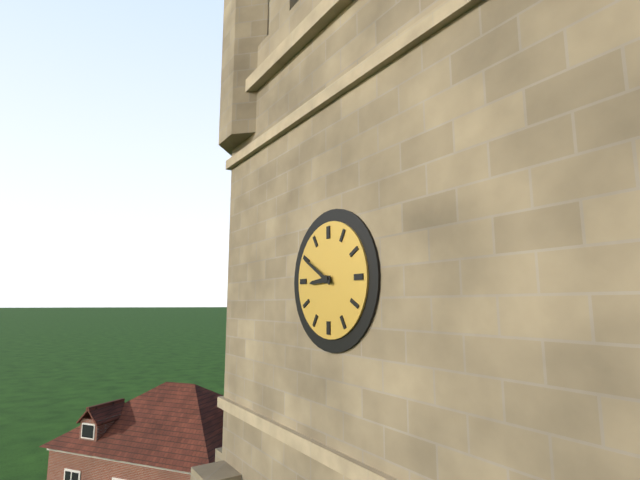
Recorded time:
8,50
